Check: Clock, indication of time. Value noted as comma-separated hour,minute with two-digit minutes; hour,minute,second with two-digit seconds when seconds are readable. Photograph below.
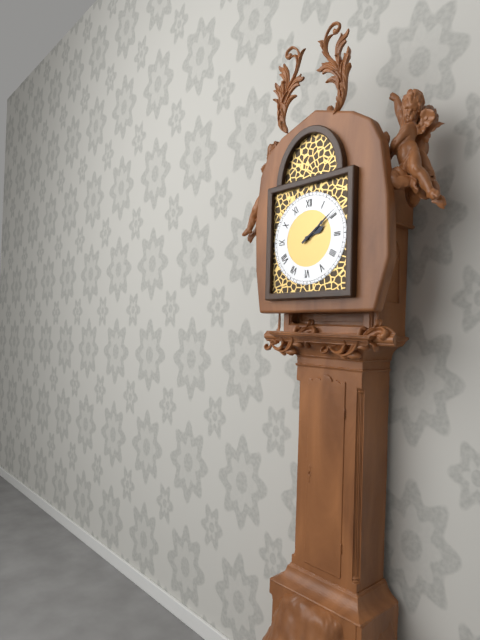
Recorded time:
2,09
